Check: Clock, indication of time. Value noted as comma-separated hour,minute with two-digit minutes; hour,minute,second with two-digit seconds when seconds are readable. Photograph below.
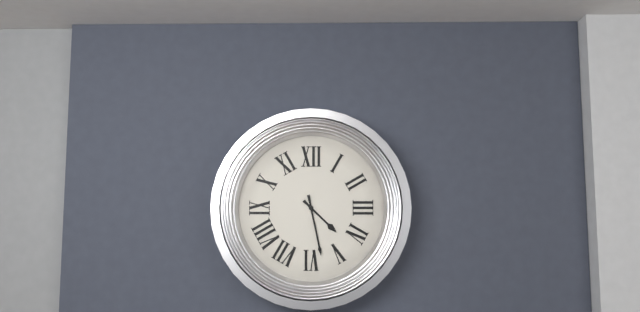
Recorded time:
4,28
